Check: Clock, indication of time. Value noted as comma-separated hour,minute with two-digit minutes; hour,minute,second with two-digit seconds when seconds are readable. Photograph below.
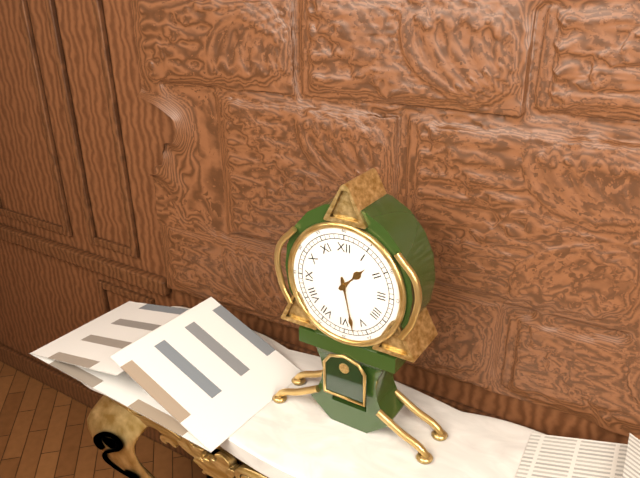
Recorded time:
1,28
